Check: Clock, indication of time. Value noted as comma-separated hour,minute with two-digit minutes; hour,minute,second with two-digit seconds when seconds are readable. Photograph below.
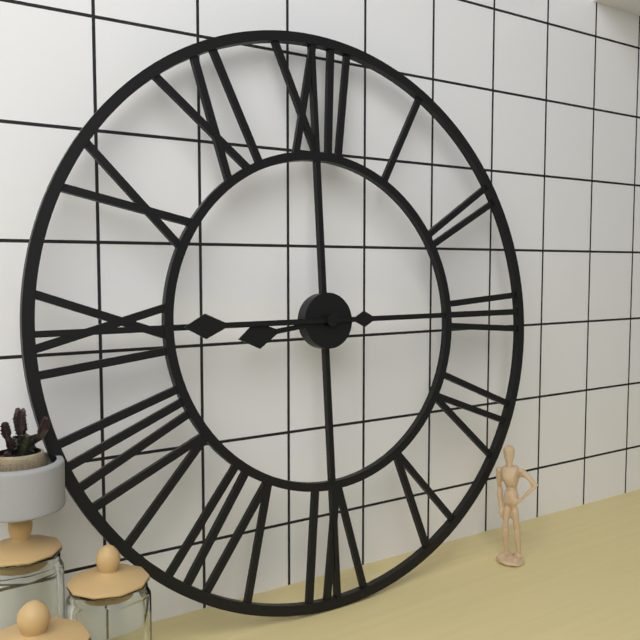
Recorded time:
8,45
